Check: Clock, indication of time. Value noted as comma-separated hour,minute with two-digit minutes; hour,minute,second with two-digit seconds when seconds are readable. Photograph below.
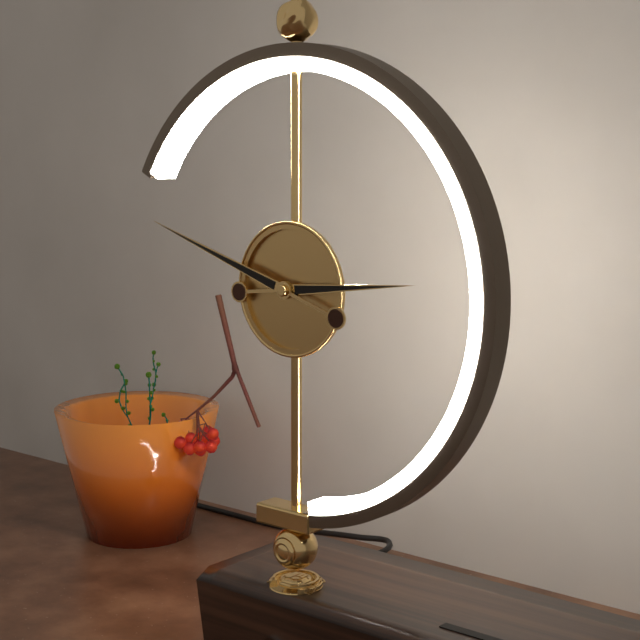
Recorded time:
2,48
